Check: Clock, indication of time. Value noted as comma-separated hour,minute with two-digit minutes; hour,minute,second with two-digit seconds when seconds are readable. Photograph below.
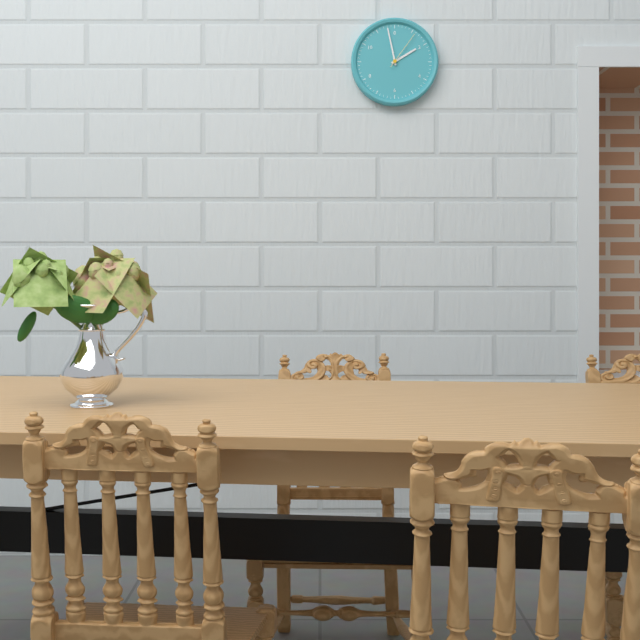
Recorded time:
1,58
